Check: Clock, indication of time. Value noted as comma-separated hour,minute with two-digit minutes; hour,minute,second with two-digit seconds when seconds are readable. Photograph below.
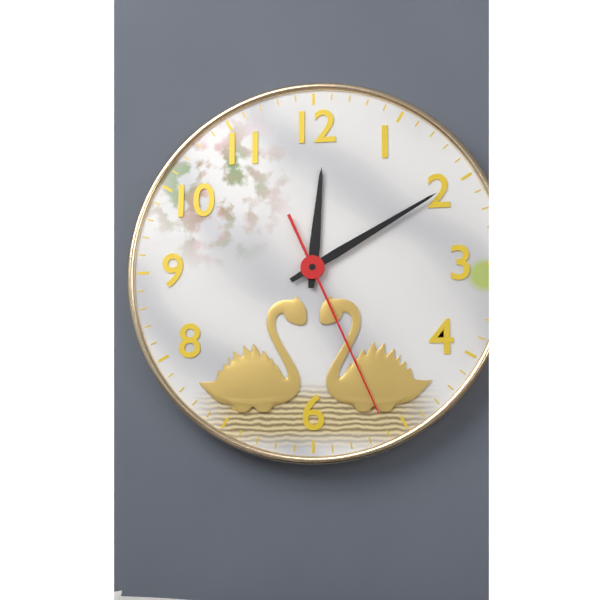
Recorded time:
12,10,26
